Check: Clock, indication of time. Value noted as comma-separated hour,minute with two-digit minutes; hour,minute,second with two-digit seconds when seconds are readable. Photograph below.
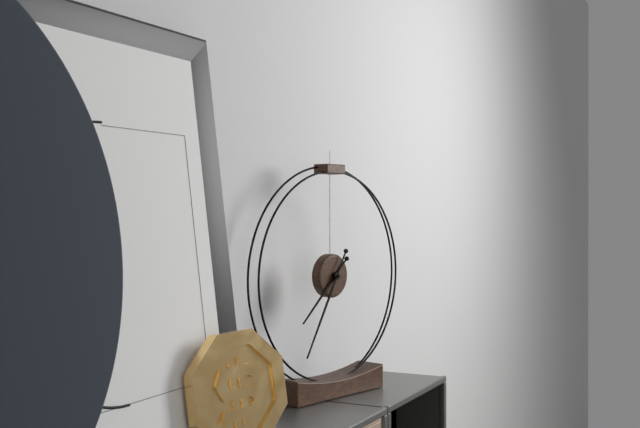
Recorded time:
7,35
